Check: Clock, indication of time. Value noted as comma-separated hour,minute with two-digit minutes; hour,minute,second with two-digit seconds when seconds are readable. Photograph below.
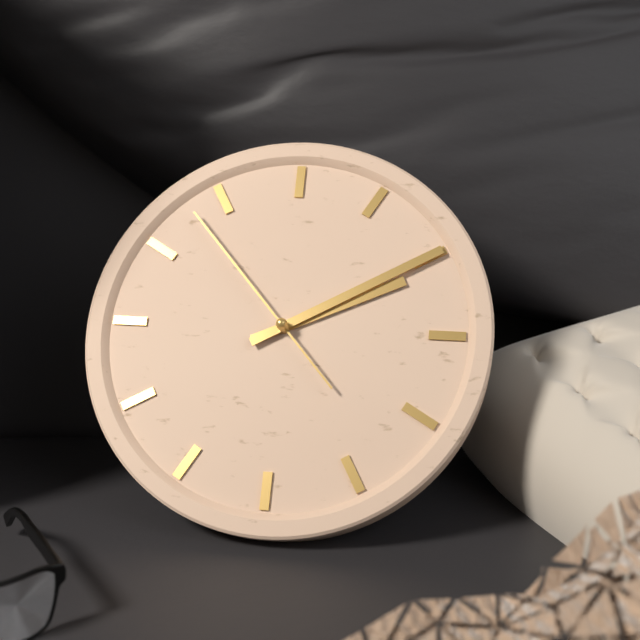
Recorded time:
2,10,53
